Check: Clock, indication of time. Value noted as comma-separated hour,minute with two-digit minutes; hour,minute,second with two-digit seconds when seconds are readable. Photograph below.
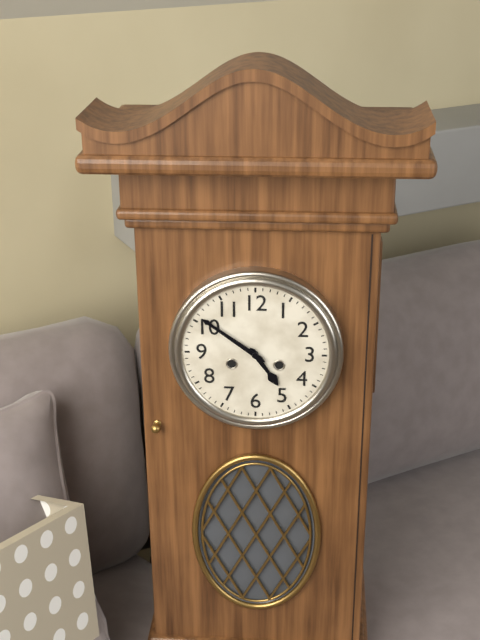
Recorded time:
4,51
